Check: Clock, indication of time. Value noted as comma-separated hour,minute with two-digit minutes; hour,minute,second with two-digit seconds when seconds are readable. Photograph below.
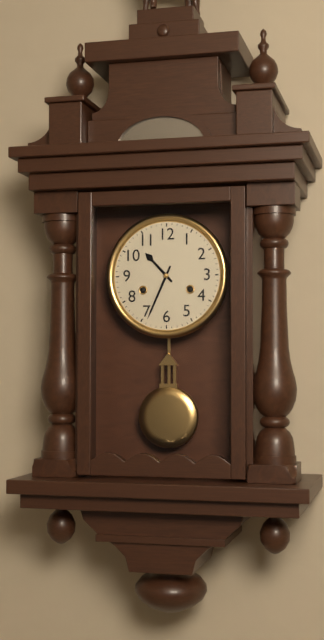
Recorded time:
10,34
